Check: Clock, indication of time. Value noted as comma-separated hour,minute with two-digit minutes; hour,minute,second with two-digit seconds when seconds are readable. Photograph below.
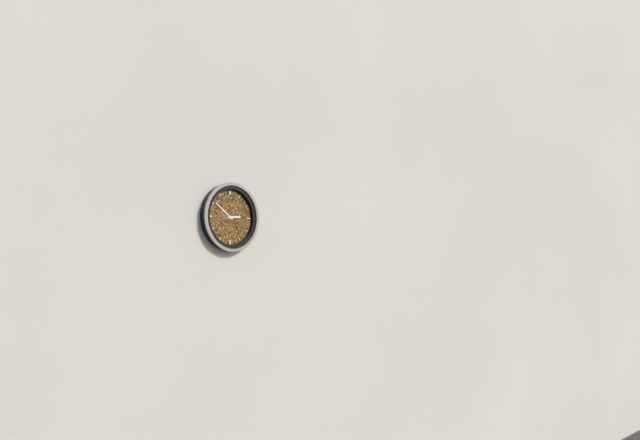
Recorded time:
2,51
